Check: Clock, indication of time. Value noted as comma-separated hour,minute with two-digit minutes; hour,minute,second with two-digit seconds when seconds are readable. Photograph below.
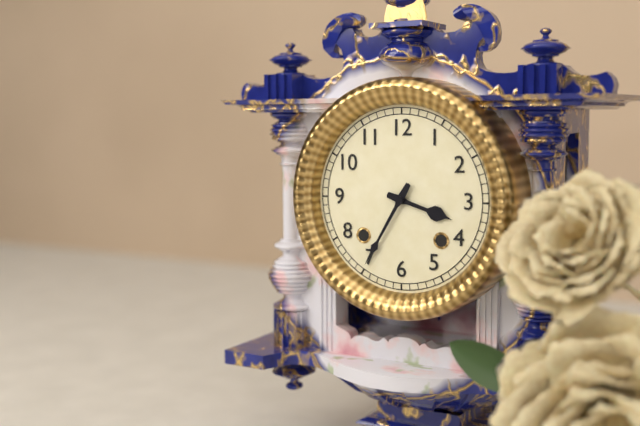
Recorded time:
3,35
